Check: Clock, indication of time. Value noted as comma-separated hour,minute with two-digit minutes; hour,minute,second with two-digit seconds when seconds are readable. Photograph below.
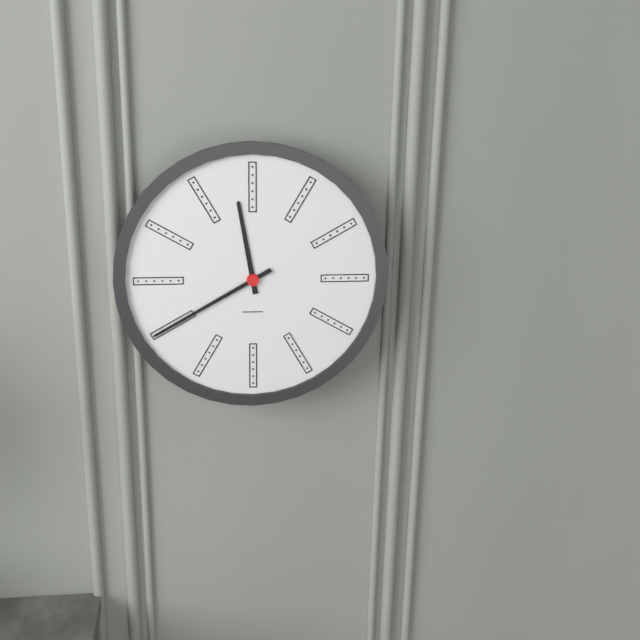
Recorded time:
11,40
